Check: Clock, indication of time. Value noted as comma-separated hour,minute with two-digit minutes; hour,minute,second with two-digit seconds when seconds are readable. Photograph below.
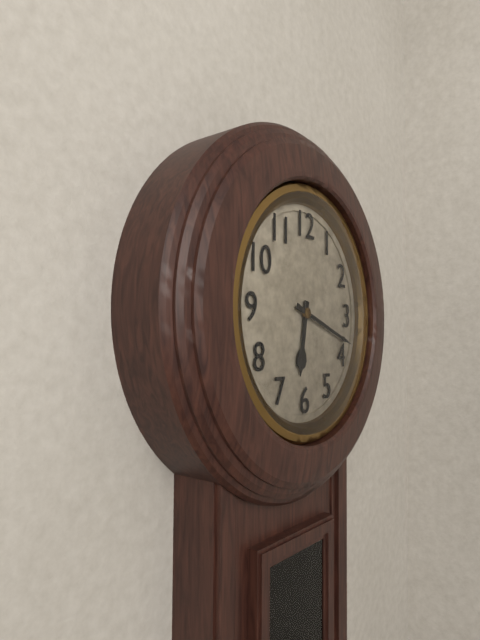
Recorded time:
6,18
